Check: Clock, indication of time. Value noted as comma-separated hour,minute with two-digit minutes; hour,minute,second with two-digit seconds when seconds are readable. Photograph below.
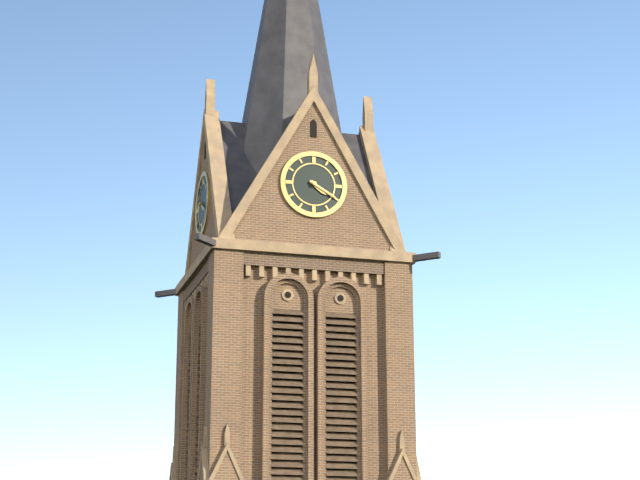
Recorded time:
4,20
